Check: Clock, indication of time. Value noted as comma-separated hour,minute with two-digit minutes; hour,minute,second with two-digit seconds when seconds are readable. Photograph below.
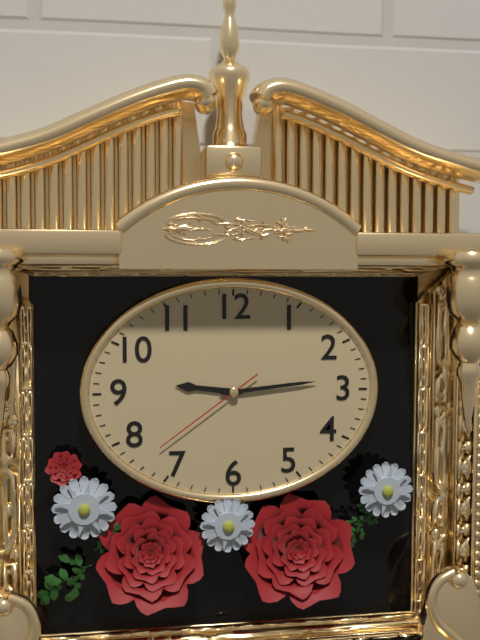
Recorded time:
9,14,39
